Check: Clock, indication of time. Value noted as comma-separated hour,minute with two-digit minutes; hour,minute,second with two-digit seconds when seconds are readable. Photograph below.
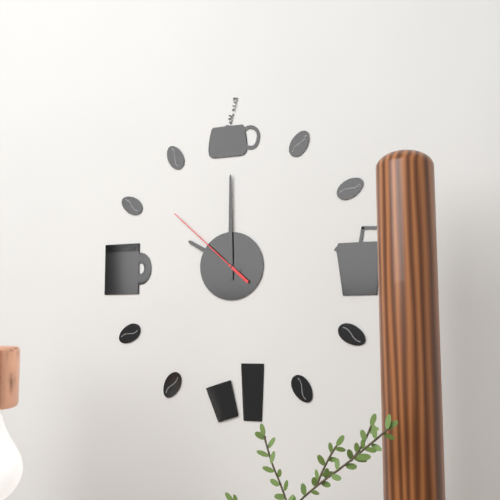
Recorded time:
10,00,52
